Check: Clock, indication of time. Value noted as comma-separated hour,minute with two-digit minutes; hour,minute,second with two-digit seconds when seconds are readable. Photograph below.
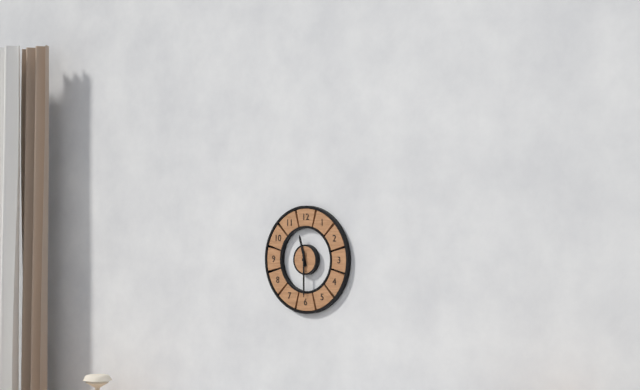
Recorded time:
11,30
